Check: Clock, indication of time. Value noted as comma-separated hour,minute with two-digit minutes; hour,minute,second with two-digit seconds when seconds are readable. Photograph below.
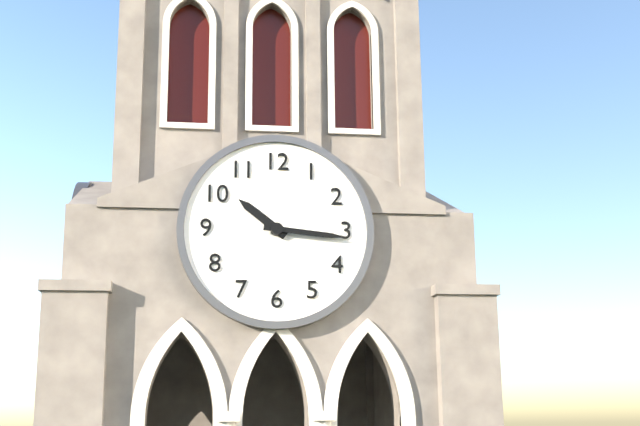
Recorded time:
10,16
